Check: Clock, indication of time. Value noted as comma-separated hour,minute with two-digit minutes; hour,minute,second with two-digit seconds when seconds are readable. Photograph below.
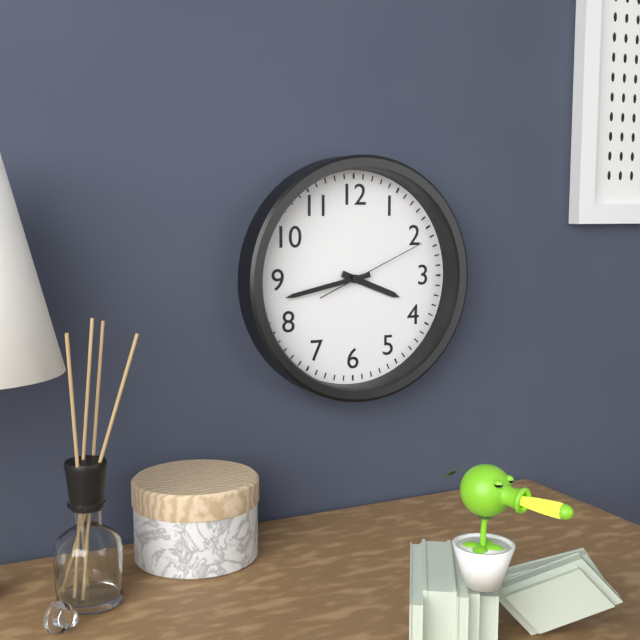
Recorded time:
3,43,11
